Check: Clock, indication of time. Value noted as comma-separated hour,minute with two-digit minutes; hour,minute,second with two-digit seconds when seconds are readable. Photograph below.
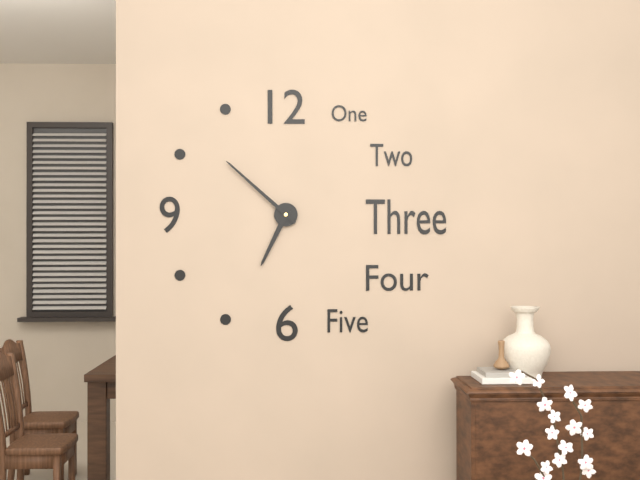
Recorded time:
6,52
